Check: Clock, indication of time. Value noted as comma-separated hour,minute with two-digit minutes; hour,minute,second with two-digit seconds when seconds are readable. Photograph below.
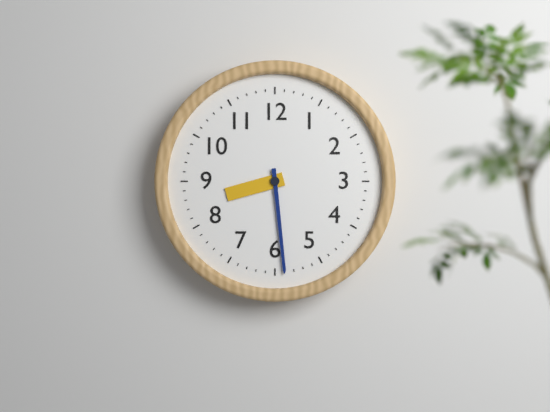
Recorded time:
8,29
